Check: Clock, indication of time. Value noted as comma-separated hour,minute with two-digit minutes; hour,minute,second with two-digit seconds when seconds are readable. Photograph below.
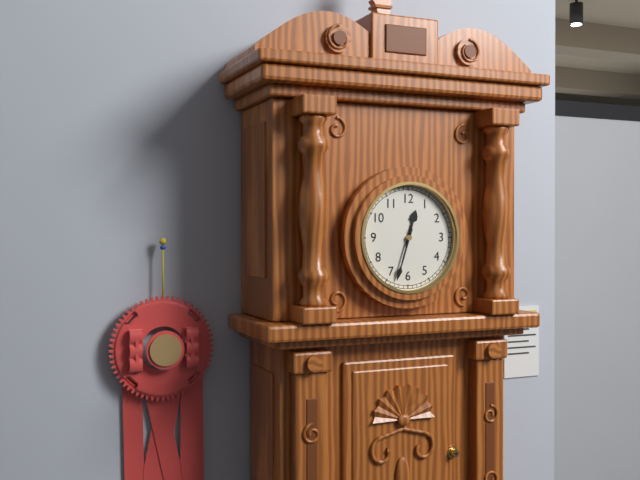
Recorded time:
12,33
